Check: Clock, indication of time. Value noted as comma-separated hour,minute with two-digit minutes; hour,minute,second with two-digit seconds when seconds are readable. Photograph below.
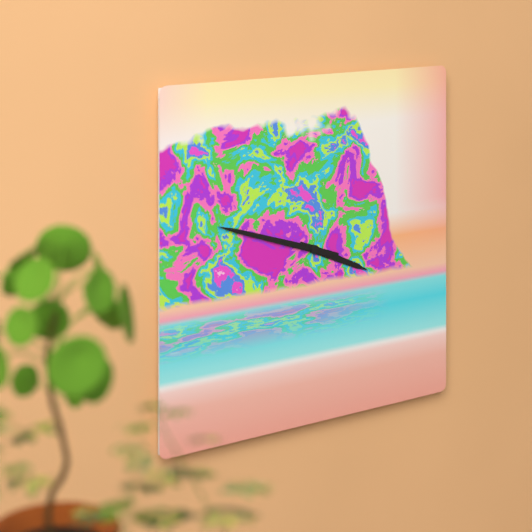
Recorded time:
3,48
